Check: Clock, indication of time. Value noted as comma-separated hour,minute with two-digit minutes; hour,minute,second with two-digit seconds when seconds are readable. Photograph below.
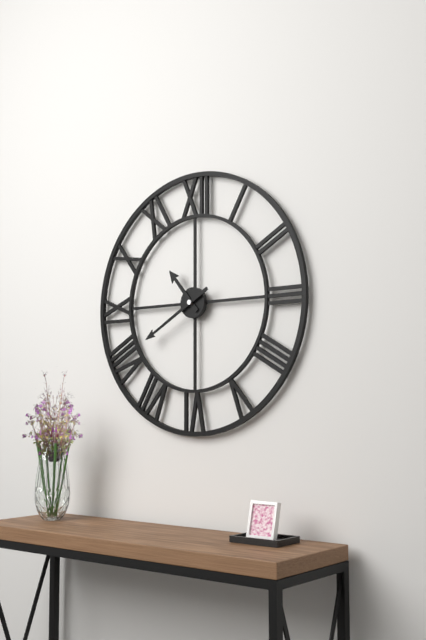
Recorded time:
10,40
